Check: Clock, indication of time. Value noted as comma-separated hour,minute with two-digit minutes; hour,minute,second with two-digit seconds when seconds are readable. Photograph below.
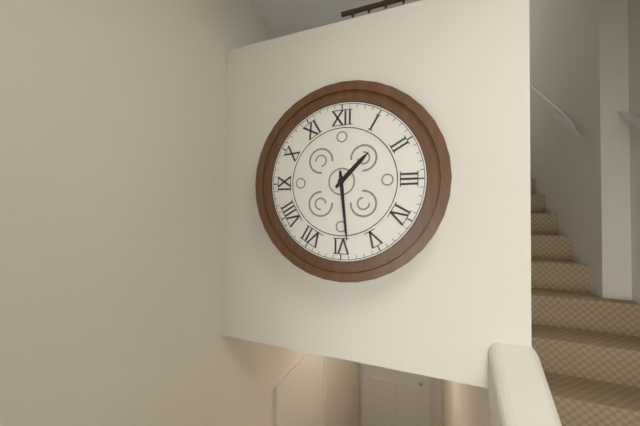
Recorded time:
1,29
